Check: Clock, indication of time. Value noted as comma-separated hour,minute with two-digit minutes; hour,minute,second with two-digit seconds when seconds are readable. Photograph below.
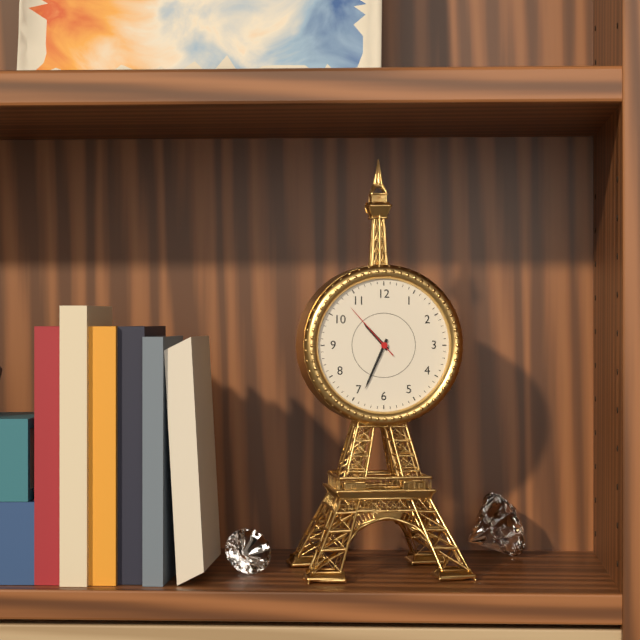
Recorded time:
10,34,53
